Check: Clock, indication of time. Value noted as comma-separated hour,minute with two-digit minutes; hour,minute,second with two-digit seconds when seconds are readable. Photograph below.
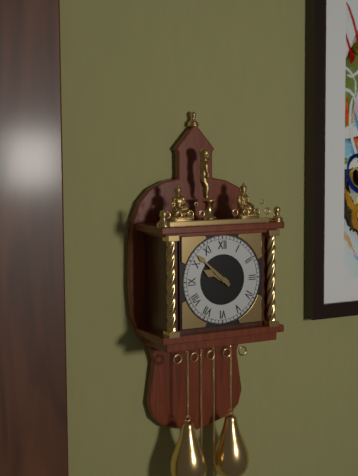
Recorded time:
9,52
